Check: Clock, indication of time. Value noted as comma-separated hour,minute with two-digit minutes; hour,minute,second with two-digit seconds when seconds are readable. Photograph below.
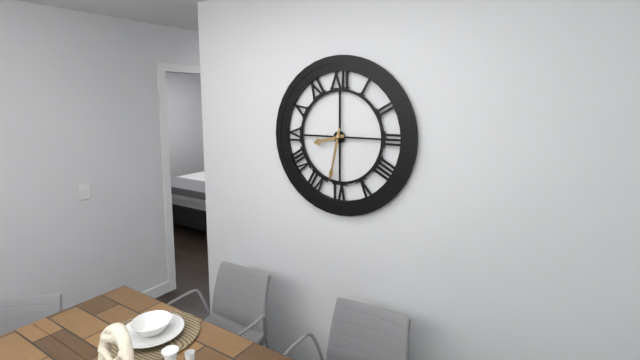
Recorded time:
8,32
